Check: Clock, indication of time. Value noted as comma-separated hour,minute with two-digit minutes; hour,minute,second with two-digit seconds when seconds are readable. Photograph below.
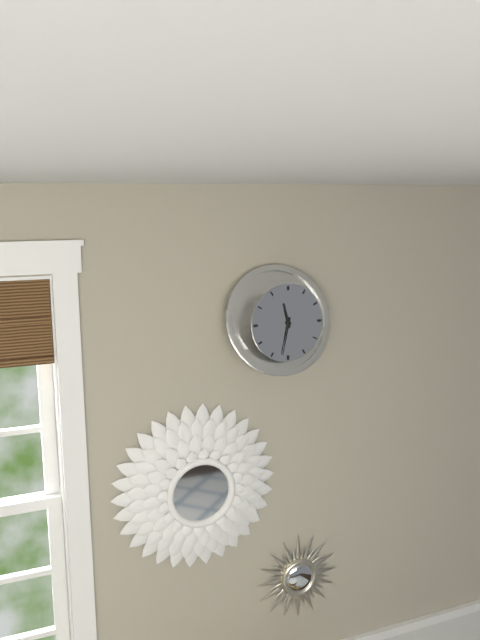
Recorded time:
11,32
